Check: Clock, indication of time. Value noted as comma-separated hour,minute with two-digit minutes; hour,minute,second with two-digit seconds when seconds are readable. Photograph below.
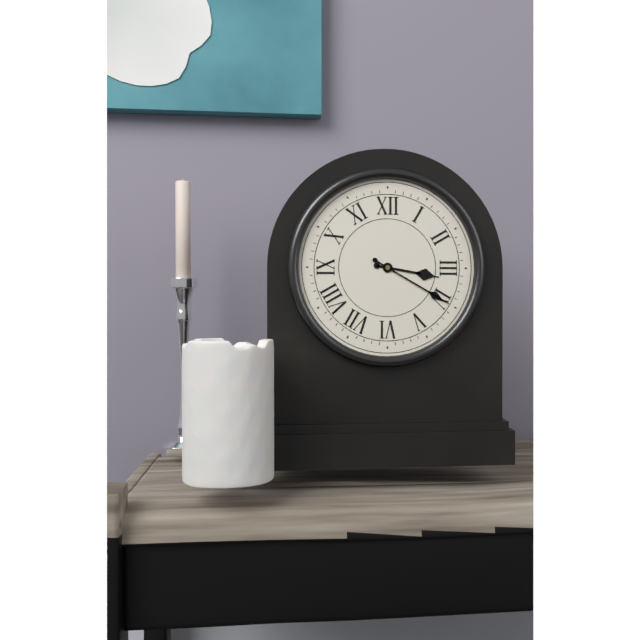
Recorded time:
3,20
